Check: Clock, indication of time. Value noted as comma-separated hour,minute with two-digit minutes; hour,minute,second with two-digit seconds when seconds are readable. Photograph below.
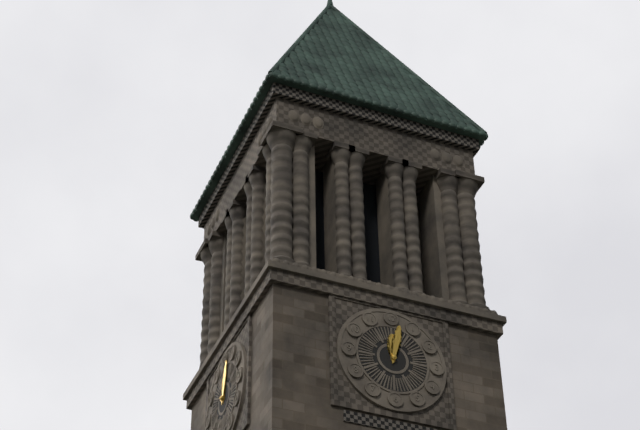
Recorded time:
12,02
